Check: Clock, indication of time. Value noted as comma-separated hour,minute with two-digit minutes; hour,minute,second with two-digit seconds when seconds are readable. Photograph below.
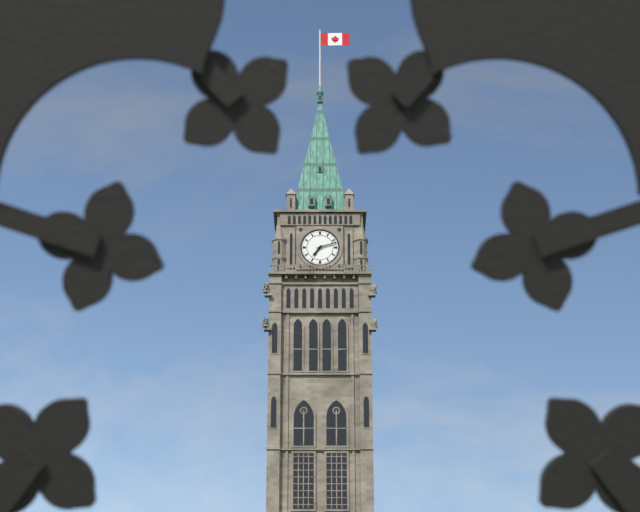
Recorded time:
7,12
